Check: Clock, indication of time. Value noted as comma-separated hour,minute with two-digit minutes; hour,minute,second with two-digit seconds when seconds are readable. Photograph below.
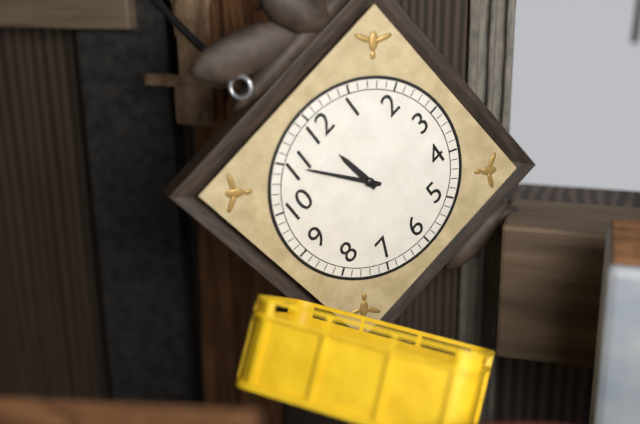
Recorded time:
11,55
